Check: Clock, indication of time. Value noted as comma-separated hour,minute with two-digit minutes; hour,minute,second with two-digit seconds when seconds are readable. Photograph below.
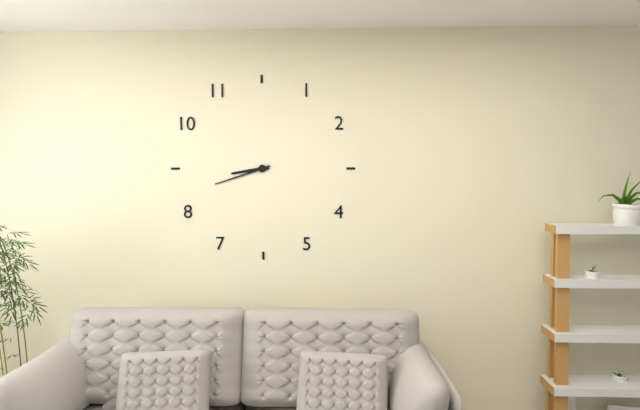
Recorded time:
8,42
